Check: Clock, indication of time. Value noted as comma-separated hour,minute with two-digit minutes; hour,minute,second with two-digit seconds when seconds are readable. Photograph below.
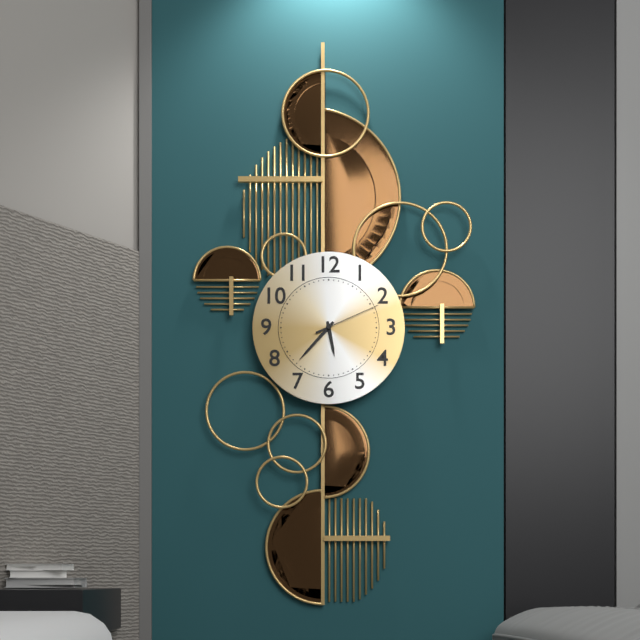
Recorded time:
5,37,11
